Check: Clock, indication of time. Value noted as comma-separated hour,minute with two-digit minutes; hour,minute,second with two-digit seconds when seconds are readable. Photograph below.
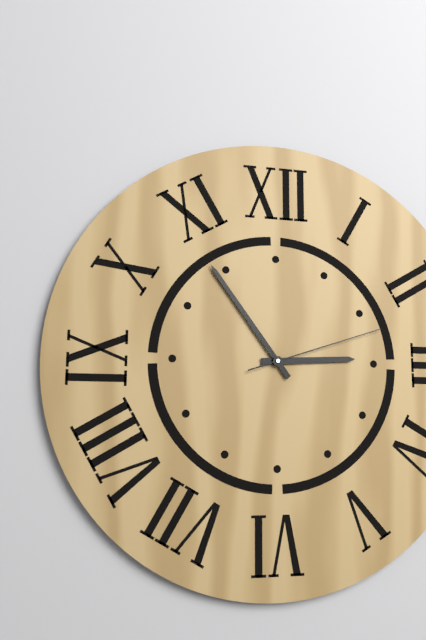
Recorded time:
2,54,12
